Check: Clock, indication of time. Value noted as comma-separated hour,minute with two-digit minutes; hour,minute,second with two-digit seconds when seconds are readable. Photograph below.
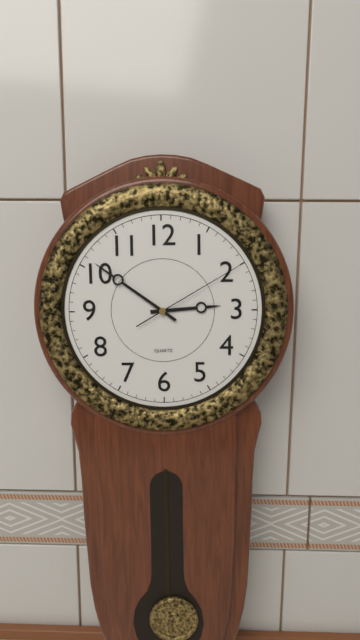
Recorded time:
2,51,10
